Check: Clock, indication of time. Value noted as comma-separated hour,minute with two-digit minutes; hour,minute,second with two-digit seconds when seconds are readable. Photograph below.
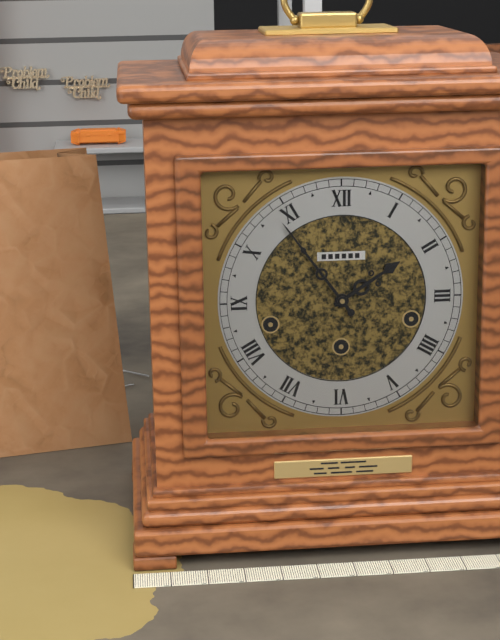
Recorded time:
1,54
